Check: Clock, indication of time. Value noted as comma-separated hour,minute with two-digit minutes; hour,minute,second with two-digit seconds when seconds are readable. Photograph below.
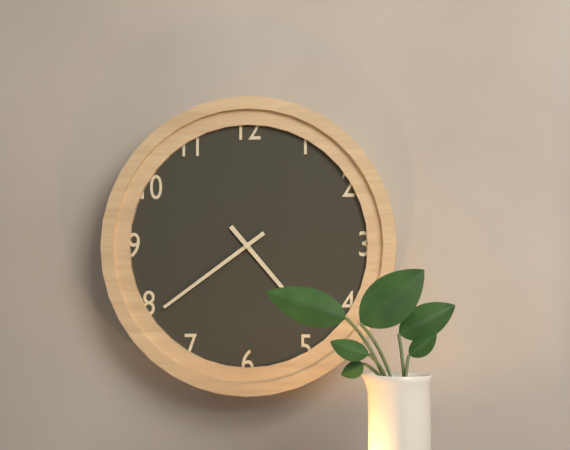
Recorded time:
4,39
